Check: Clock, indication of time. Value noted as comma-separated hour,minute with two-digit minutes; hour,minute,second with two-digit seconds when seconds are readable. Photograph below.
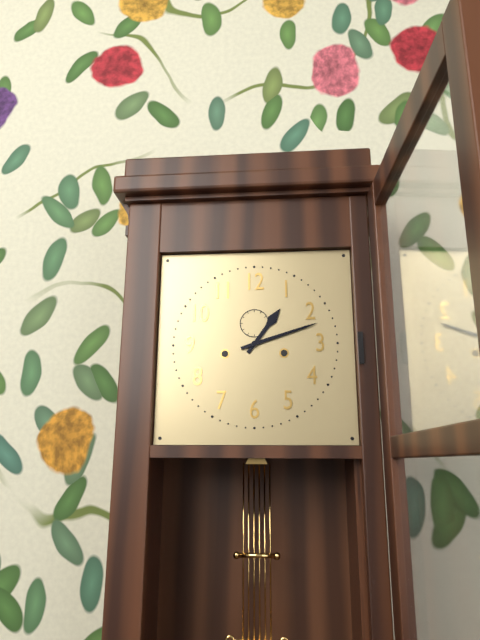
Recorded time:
1,12
